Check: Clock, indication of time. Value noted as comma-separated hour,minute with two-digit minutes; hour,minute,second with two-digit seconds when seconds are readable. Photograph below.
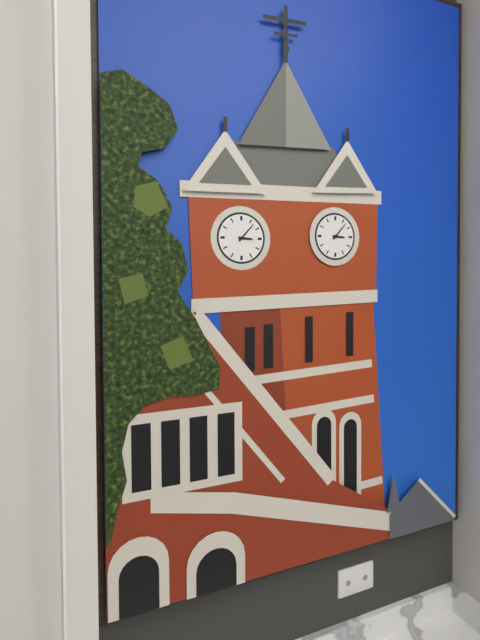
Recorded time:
3,07
